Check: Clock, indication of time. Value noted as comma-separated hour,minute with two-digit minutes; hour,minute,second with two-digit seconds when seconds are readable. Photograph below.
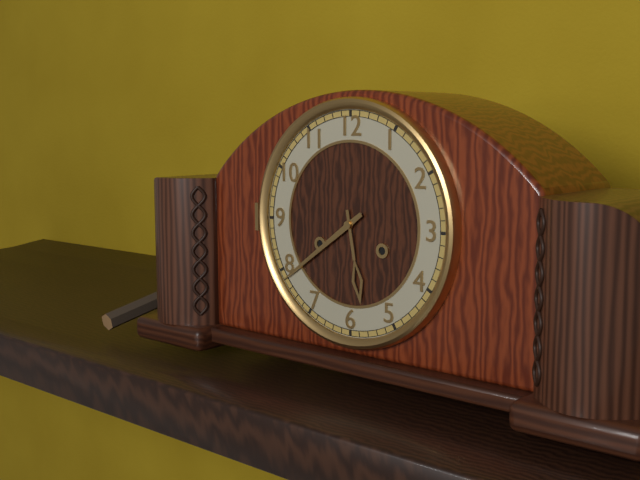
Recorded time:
5,39
